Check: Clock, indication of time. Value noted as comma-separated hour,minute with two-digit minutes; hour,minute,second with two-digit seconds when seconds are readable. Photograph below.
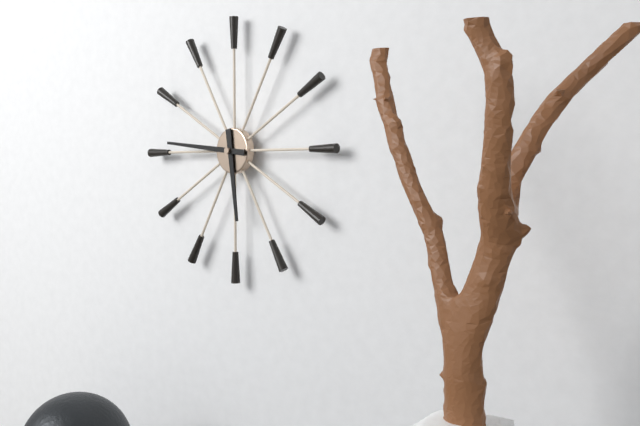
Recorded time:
5,46
